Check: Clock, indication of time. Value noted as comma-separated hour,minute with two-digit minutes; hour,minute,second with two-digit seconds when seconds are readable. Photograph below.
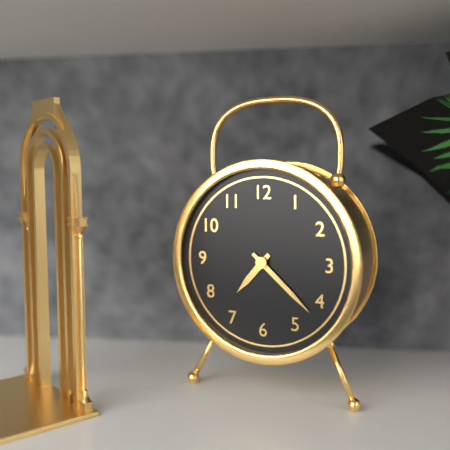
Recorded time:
7,22
